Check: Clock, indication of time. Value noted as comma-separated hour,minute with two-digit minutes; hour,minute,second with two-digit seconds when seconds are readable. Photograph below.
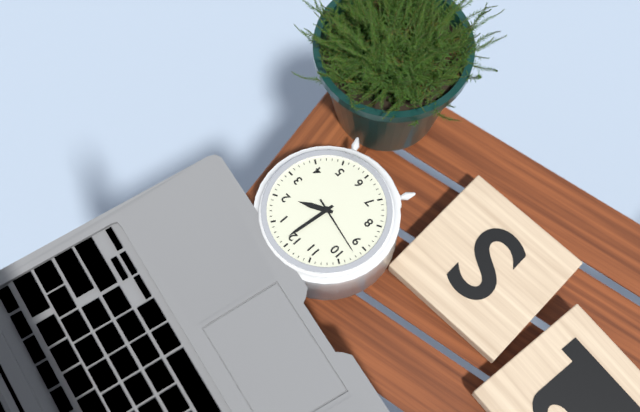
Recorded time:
2,01,47
